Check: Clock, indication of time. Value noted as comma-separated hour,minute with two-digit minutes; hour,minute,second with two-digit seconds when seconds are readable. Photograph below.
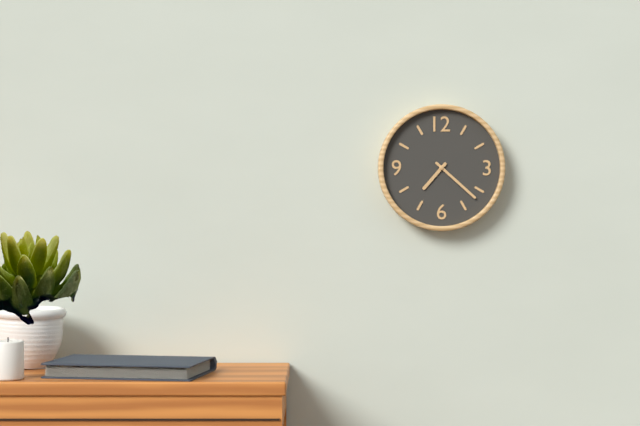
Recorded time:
7,22
